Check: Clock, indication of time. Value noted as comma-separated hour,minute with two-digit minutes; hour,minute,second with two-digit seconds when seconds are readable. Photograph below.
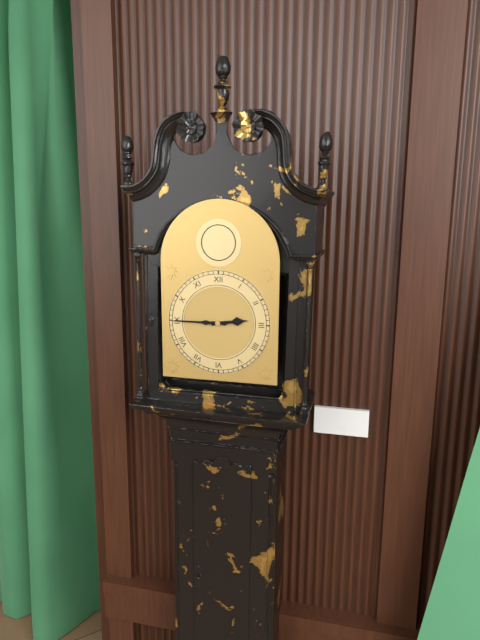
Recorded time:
2,45
